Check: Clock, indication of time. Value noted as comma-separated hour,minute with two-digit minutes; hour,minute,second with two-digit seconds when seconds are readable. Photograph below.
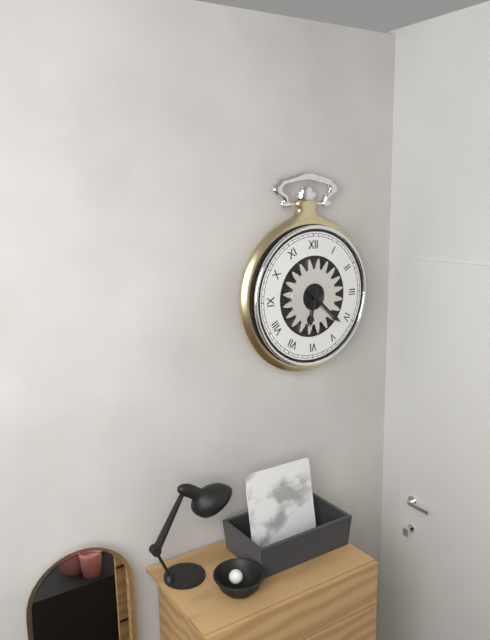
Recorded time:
6,22
